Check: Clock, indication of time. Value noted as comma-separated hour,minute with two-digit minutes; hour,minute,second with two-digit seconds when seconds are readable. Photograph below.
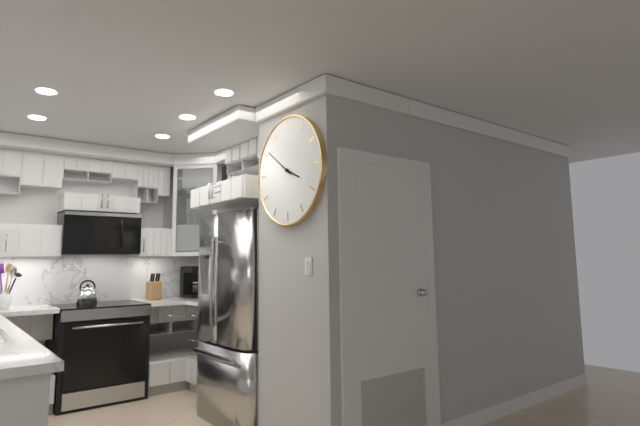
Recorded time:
3,51
